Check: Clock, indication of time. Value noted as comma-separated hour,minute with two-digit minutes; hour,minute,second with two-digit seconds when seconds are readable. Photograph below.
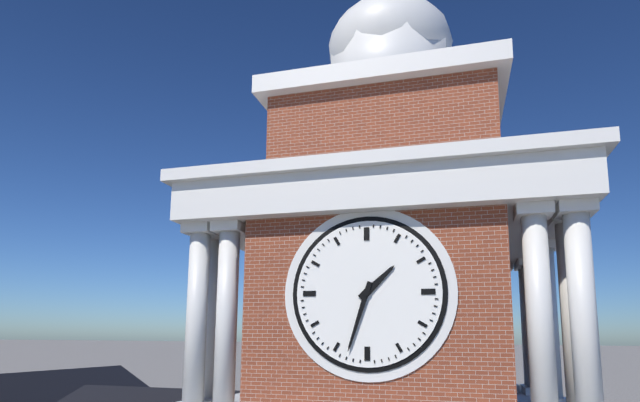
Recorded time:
1,33
